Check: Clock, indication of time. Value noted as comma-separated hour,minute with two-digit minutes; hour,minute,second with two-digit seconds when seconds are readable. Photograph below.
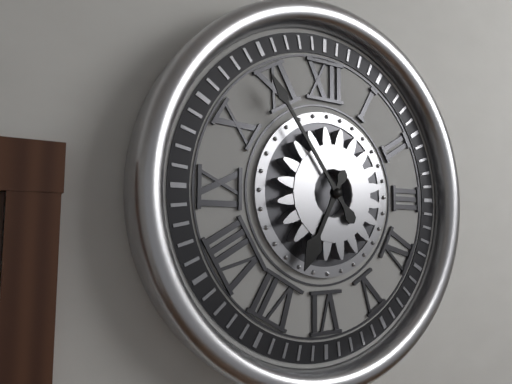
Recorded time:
6,54
